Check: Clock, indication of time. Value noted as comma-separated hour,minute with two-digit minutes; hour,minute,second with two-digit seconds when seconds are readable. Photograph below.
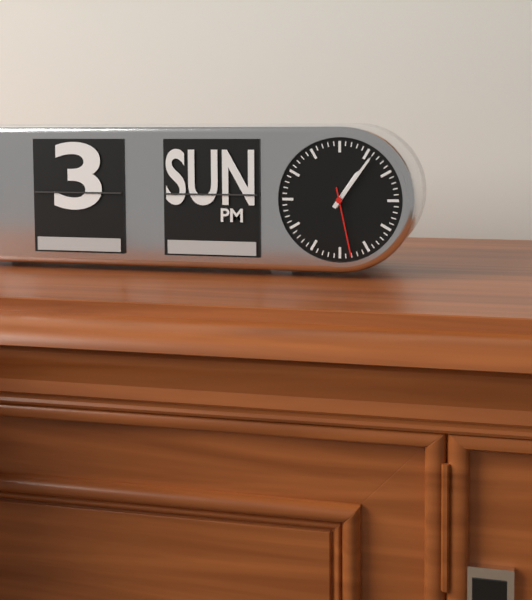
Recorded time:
1,06,28
